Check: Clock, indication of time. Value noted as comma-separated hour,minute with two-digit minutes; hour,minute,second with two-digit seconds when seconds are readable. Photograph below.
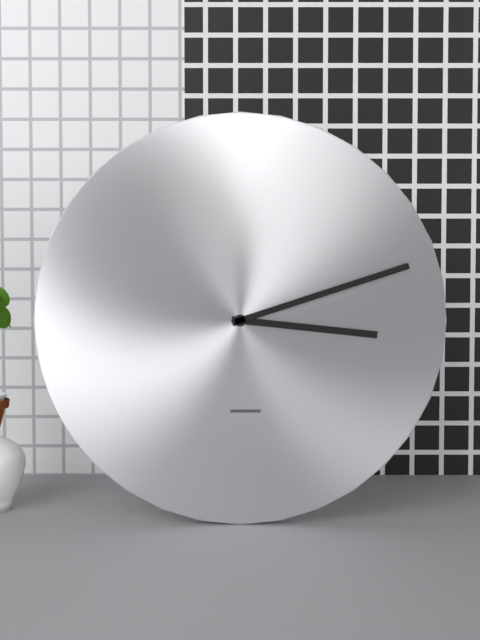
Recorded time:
3,12
